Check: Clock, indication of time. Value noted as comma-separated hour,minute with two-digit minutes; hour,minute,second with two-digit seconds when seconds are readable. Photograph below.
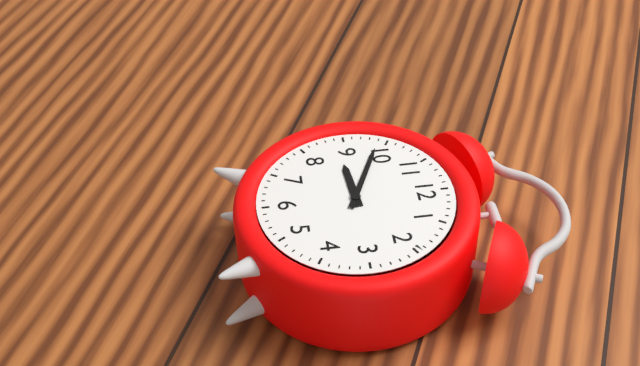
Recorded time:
8,49
